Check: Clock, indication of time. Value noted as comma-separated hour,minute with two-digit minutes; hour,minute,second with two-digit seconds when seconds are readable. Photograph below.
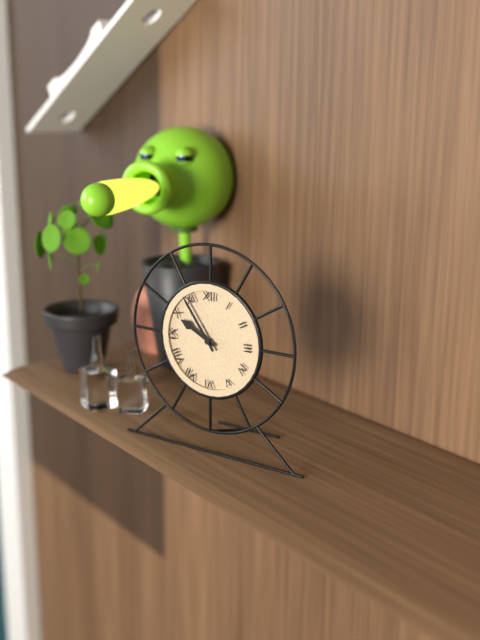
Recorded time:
9,54
